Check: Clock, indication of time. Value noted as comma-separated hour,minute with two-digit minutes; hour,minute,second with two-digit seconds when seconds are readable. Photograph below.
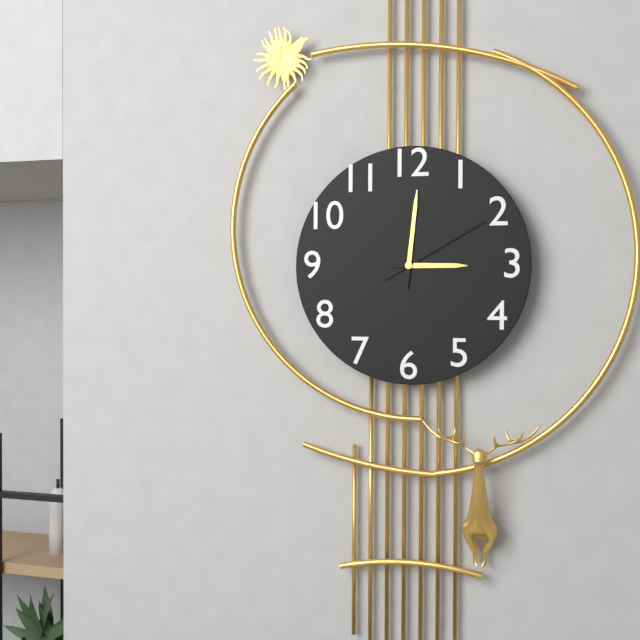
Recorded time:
3,01,10
